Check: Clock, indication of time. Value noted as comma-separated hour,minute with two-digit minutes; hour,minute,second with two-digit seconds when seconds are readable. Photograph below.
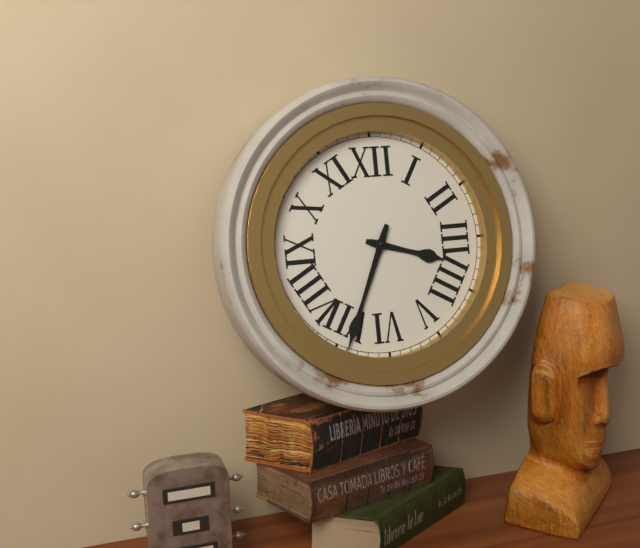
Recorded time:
3,34
